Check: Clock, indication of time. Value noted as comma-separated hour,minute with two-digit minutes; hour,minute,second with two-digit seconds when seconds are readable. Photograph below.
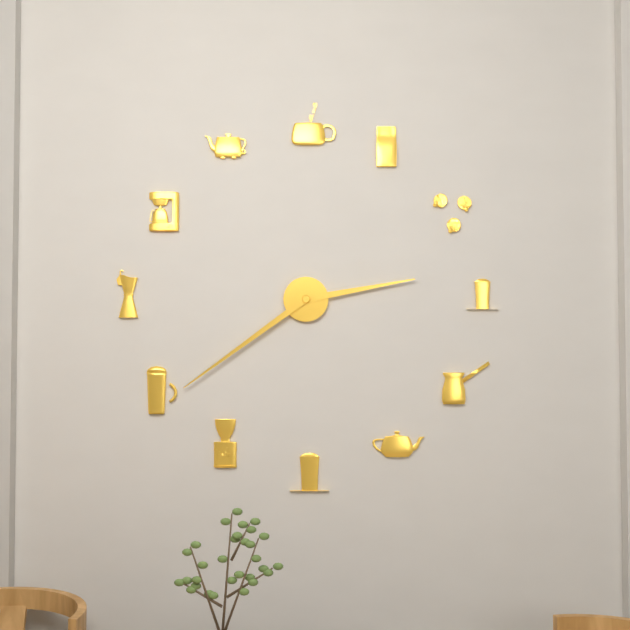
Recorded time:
2,39
